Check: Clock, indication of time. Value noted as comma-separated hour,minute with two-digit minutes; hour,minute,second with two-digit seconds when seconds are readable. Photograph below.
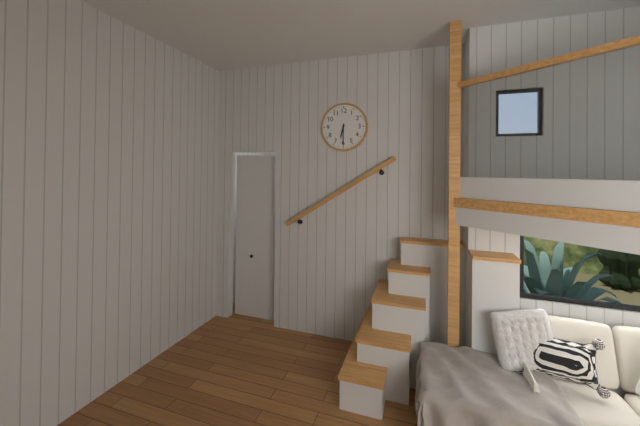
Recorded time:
6,30
